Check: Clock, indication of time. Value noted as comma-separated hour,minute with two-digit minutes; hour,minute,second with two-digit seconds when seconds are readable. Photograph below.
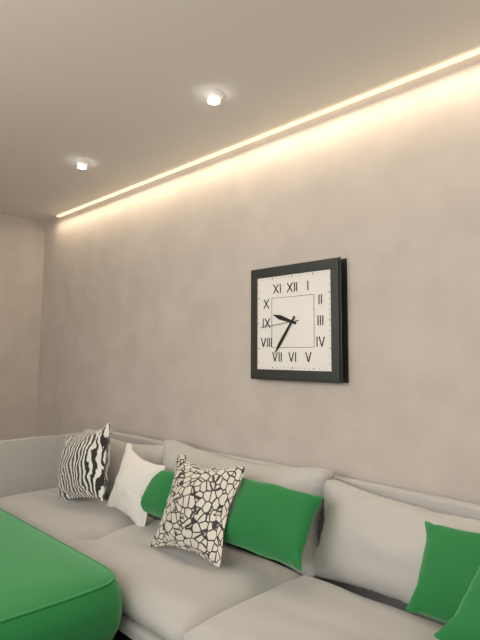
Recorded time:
9,36
